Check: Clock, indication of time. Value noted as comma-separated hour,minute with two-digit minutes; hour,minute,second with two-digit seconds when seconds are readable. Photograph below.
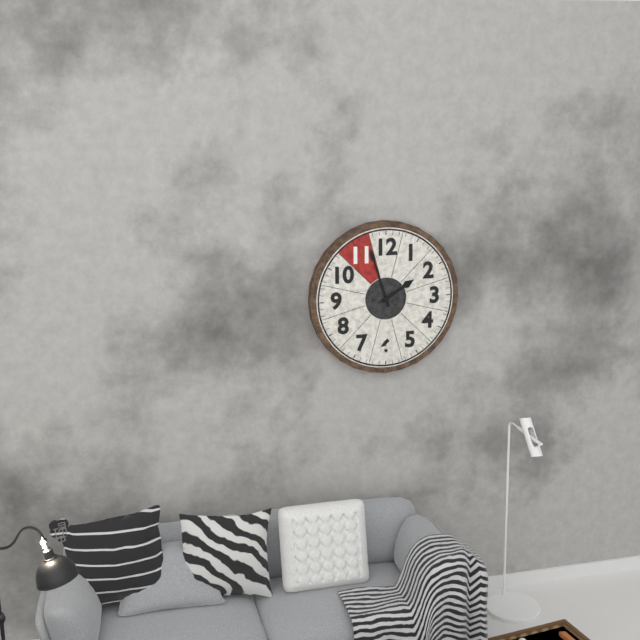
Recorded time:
1,57
